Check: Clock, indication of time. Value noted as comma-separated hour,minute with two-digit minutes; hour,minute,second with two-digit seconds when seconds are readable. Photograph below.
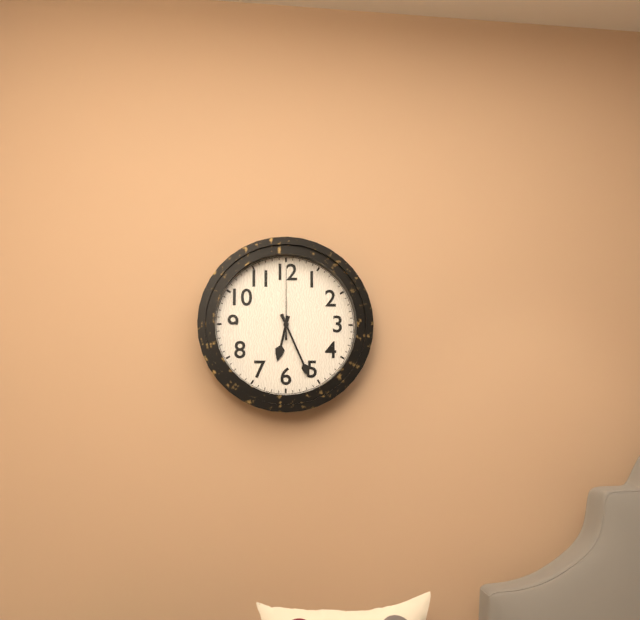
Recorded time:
6,26,00
